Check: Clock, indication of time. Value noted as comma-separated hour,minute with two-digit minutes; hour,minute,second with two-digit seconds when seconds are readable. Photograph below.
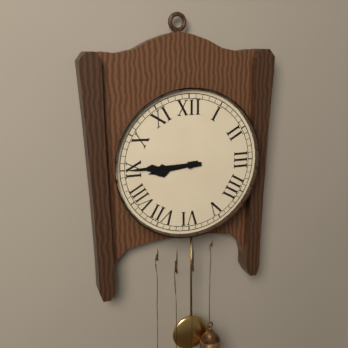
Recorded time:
8,45
